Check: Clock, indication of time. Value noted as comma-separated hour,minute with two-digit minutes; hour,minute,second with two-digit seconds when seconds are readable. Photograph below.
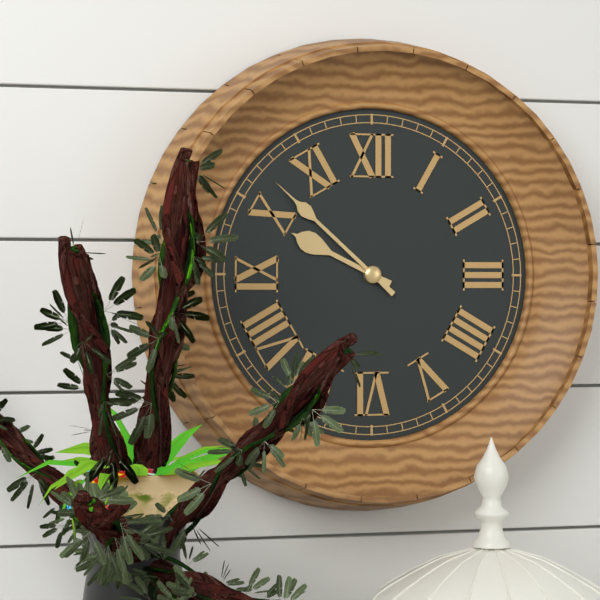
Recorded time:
9,52
